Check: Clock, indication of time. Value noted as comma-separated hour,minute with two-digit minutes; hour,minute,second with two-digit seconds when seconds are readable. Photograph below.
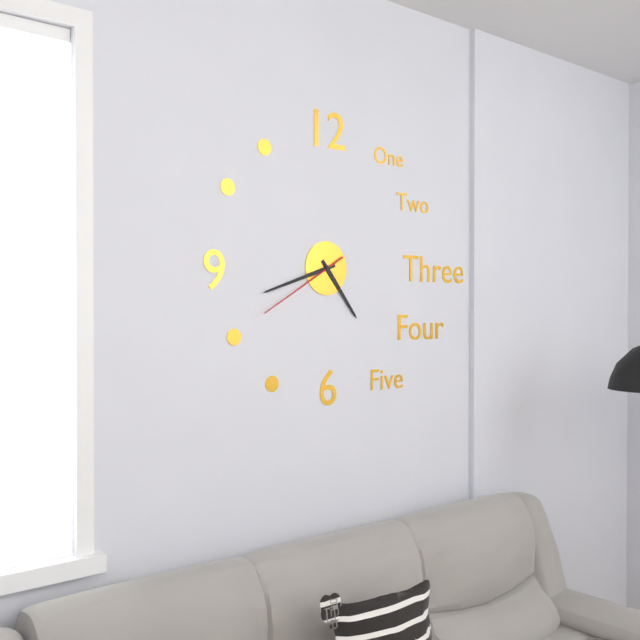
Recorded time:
4,42,40
